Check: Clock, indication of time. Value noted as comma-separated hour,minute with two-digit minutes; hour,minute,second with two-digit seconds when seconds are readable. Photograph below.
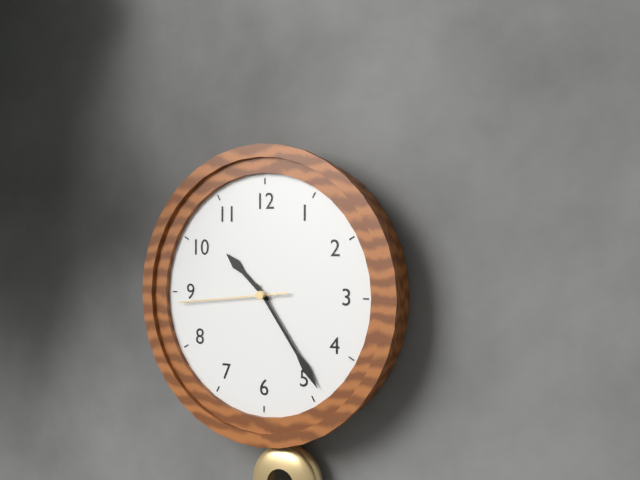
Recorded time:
10,24,44
